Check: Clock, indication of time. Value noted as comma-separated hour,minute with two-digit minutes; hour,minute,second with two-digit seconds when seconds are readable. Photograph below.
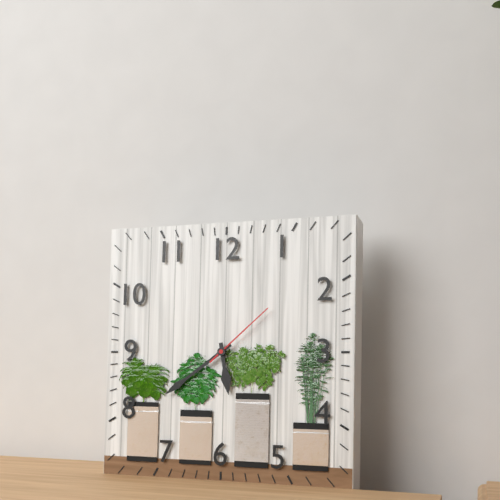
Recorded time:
5,39,08
